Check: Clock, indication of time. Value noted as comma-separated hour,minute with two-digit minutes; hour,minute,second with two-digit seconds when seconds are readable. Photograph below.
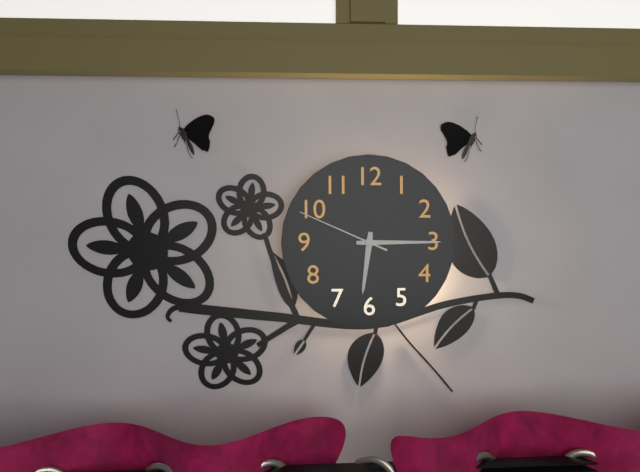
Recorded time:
6,15,49
